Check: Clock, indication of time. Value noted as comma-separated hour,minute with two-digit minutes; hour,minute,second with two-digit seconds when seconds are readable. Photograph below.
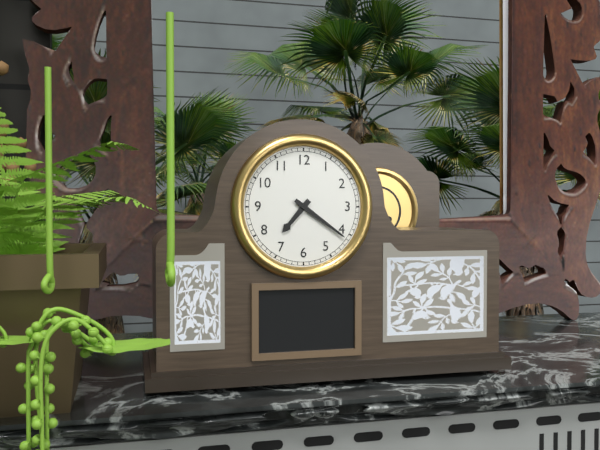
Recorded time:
7,21
